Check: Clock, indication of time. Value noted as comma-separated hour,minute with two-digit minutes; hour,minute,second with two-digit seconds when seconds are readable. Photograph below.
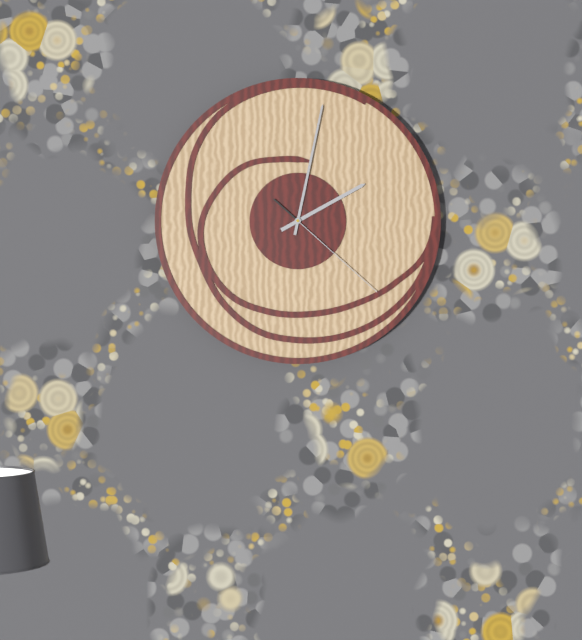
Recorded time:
2,02,22
